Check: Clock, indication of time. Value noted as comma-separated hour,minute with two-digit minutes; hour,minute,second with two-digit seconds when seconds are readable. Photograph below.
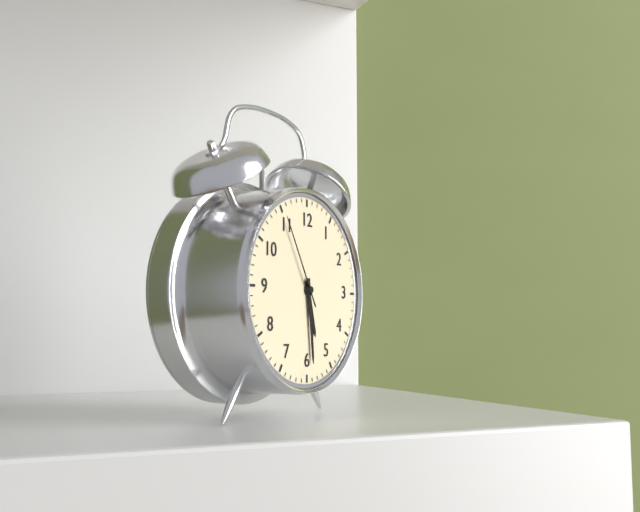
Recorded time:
5,29,55
